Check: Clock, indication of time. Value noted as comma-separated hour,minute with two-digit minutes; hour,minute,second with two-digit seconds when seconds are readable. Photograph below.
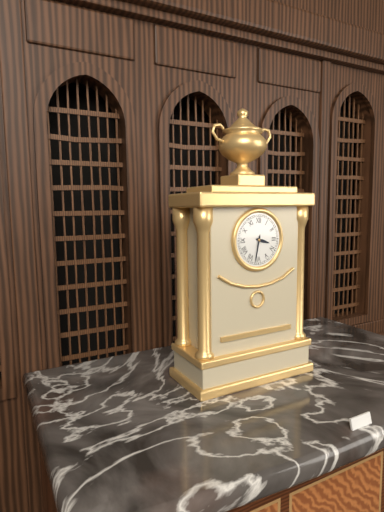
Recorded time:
3,32
